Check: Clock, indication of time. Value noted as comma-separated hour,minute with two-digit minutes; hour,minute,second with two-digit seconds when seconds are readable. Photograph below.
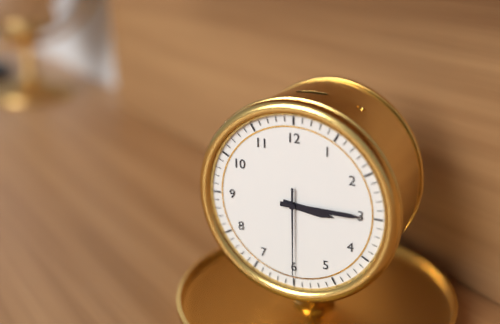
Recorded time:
3,15,30
